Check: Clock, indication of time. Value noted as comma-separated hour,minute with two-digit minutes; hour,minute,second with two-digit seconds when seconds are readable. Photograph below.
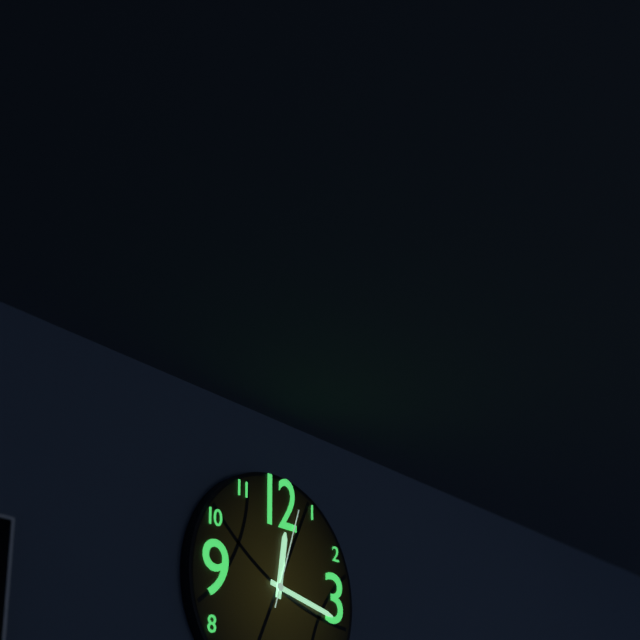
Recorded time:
12,17,03
